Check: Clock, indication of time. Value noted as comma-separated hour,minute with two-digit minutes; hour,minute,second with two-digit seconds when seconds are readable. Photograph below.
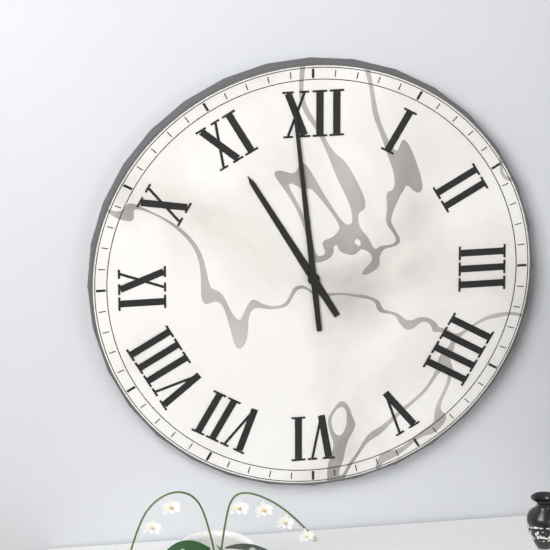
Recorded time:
10,59
